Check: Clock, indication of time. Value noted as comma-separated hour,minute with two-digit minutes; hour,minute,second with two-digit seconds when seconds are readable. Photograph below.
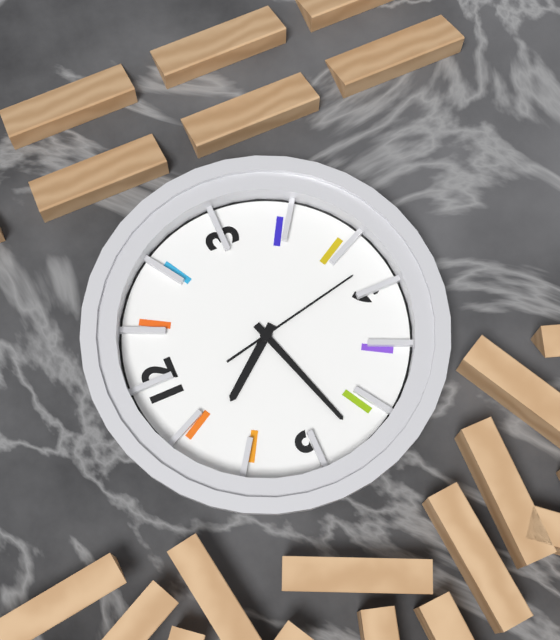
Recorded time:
10,42,28
